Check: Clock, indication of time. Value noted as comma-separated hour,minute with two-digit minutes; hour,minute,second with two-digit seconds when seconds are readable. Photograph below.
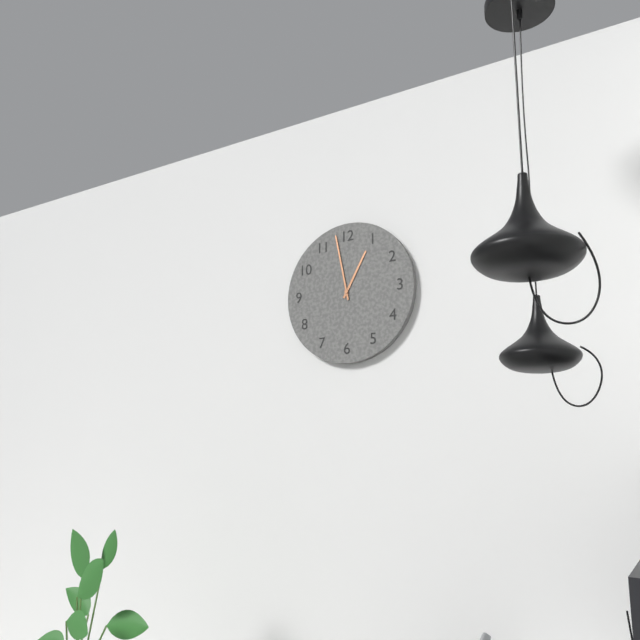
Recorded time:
12,58
